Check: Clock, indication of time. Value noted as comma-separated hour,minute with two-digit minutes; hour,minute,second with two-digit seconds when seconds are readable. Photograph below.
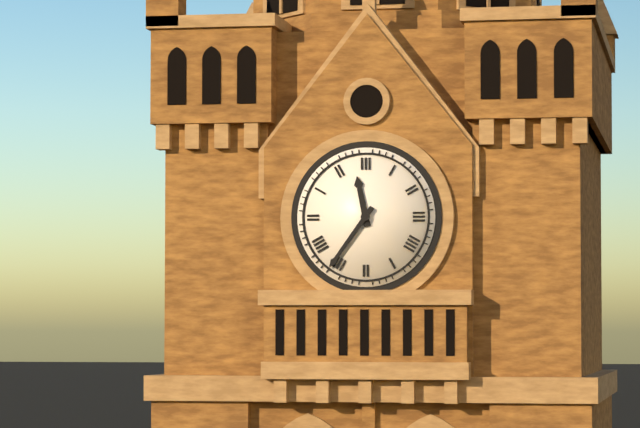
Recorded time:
11,36
